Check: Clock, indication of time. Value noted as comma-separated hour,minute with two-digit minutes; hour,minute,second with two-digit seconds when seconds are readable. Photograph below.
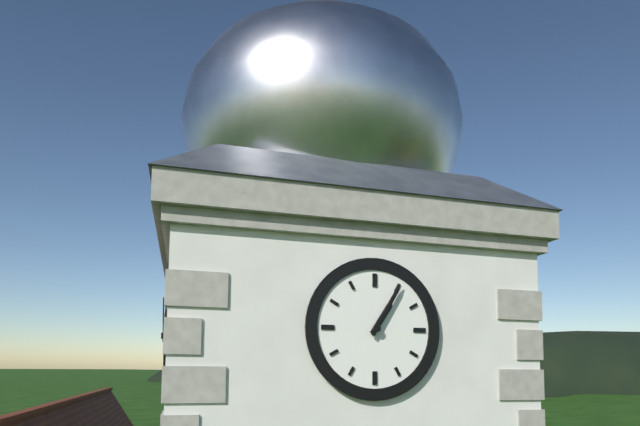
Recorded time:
1,05
